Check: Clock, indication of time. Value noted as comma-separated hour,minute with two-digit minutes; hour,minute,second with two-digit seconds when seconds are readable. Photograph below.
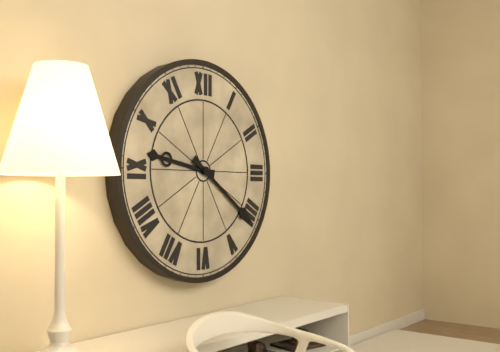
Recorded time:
9,21
